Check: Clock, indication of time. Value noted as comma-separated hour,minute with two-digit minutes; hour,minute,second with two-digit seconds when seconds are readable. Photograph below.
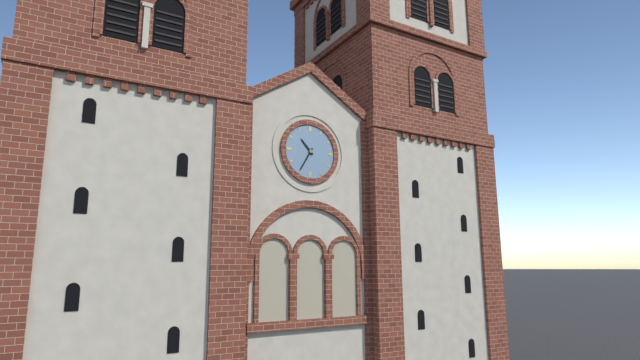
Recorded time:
10,35
